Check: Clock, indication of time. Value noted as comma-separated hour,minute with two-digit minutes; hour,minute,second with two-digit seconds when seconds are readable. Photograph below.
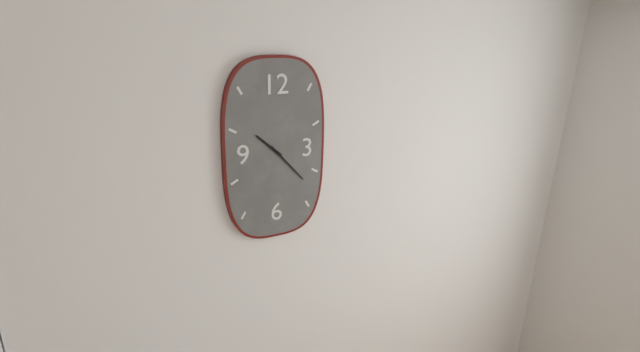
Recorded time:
10,23
